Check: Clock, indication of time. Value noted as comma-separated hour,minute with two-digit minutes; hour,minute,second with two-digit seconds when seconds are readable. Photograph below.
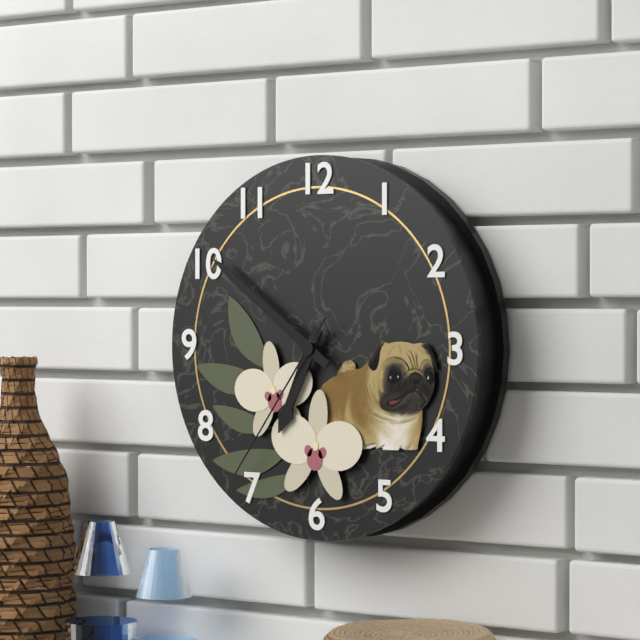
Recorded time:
6,51,36
